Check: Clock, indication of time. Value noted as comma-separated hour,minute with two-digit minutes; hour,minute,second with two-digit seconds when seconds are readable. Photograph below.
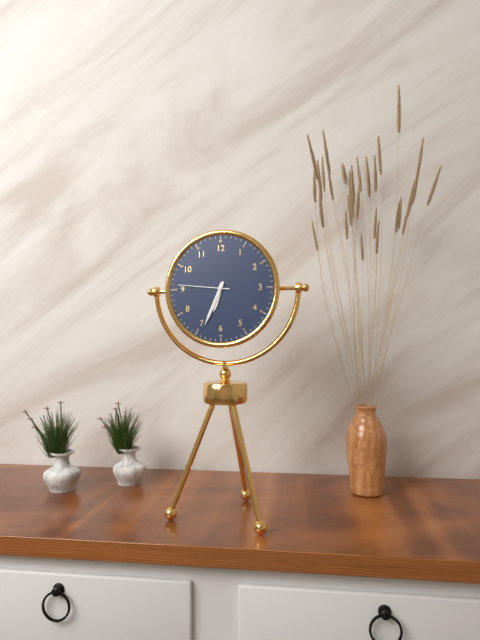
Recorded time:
6,34,46
